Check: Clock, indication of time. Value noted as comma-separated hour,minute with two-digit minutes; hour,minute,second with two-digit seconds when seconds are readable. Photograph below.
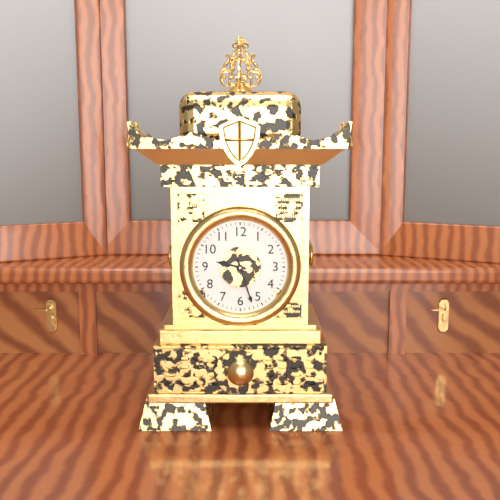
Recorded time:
9,27
